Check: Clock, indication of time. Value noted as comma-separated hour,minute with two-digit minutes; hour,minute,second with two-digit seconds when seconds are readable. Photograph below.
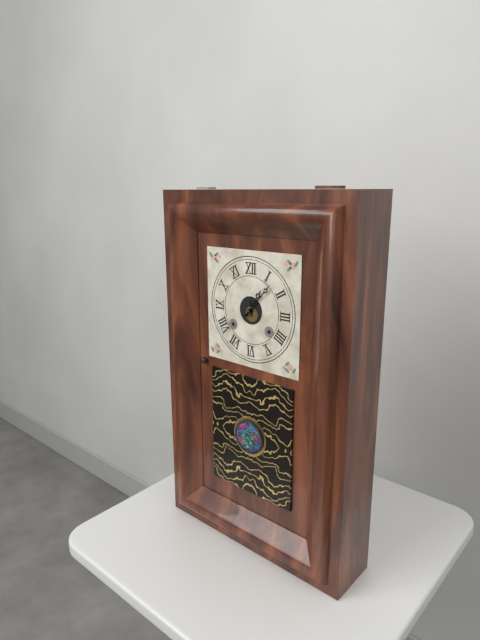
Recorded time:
1,07
